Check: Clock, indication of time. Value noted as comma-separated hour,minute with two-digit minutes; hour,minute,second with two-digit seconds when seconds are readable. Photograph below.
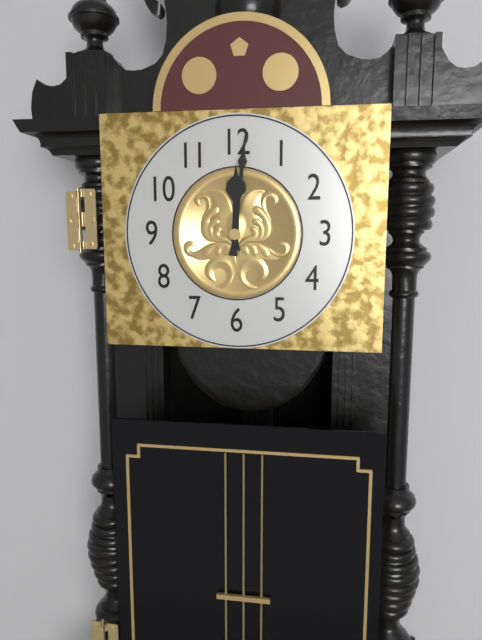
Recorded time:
12,01
